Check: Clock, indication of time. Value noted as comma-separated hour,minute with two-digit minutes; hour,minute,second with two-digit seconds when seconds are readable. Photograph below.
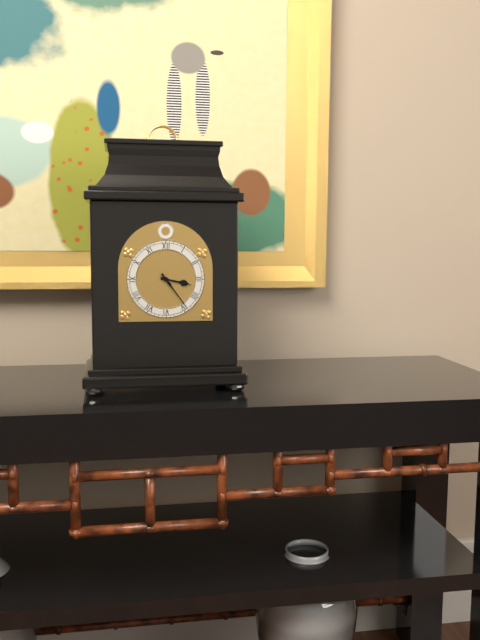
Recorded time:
3,24
